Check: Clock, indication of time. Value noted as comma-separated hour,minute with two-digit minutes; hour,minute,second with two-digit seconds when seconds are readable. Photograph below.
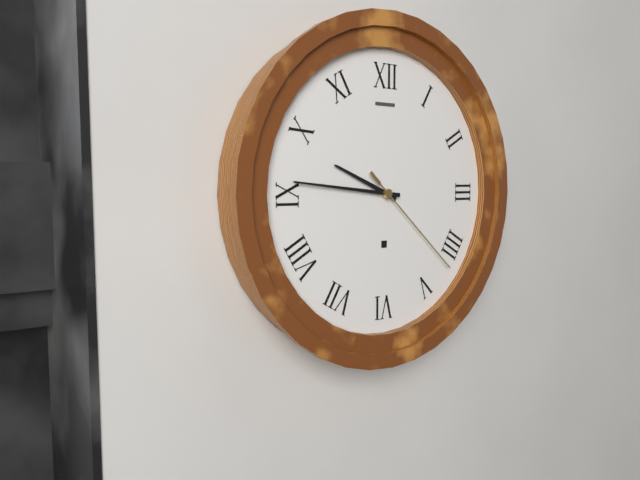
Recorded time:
9,46,22
